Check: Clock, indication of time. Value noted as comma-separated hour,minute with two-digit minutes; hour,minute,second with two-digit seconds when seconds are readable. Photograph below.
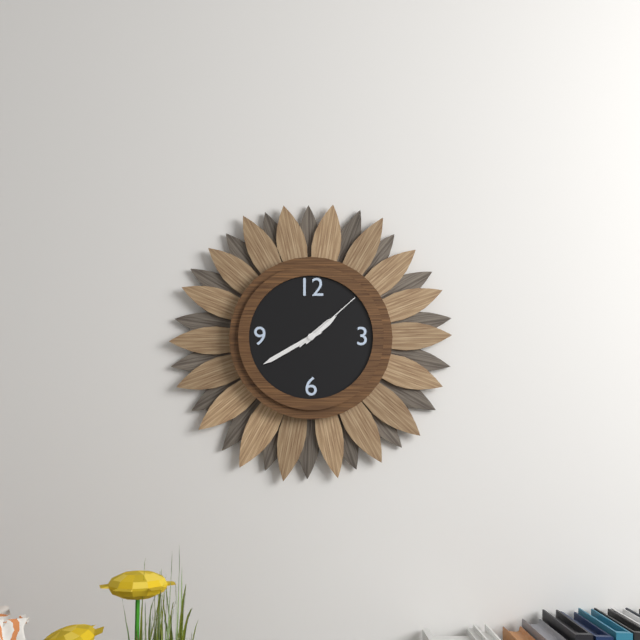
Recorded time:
1,40,08
